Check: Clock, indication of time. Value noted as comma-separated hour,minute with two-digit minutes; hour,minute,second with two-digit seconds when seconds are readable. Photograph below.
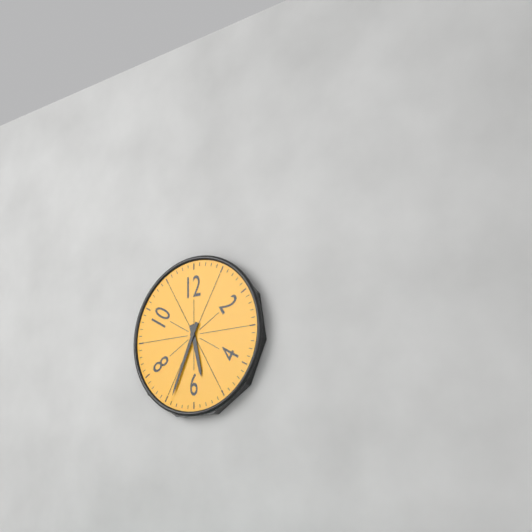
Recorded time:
5,34
